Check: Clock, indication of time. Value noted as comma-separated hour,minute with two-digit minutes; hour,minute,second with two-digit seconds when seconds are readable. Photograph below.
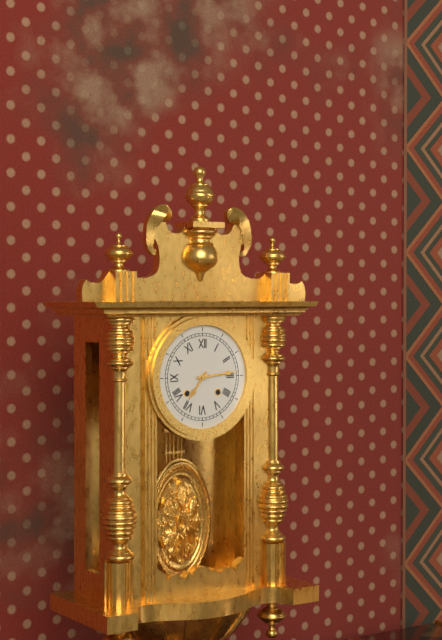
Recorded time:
7,14
